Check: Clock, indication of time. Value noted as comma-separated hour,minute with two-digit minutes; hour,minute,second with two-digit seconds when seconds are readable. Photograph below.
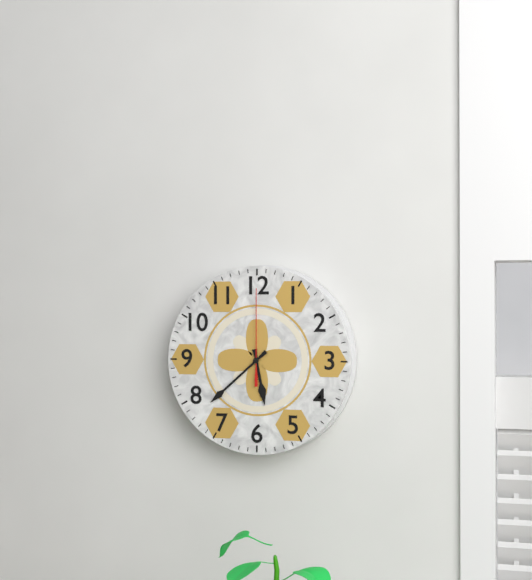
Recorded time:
5,38,00
